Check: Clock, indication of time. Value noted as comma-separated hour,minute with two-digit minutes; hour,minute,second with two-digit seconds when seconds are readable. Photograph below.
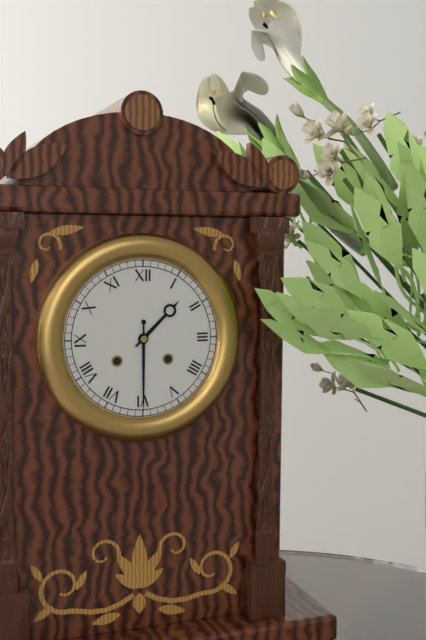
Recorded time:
1,30
